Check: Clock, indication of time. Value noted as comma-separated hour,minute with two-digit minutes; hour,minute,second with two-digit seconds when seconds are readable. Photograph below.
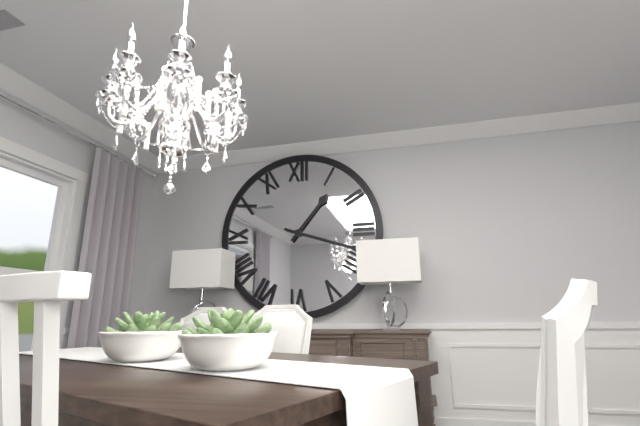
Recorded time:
1,18
